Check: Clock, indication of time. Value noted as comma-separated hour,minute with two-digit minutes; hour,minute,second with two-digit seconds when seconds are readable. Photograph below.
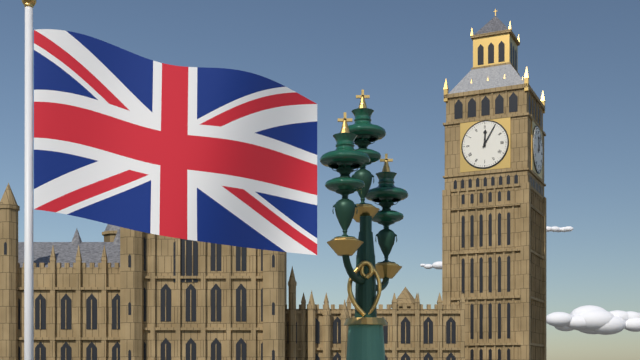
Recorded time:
12,05
